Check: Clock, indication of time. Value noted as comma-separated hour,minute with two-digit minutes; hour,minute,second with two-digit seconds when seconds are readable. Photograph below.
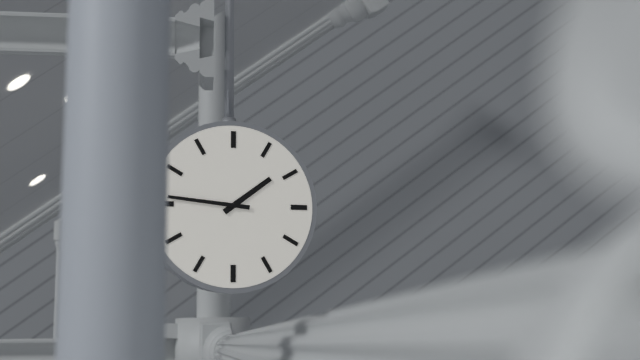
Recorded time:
1,46
